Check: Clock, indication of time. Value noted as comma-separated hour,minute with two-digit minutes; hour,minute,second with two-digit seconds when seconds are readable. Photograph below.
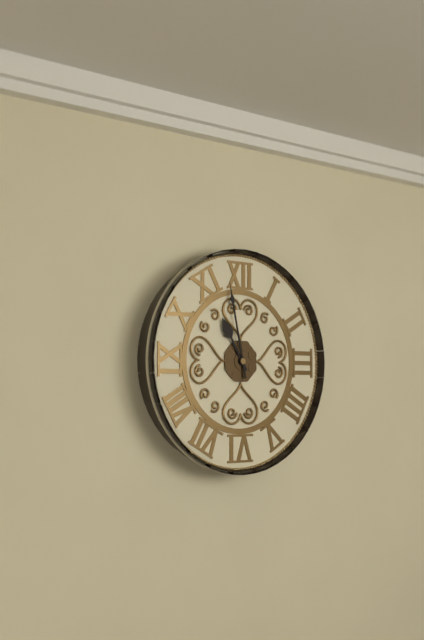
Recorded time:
10,58
